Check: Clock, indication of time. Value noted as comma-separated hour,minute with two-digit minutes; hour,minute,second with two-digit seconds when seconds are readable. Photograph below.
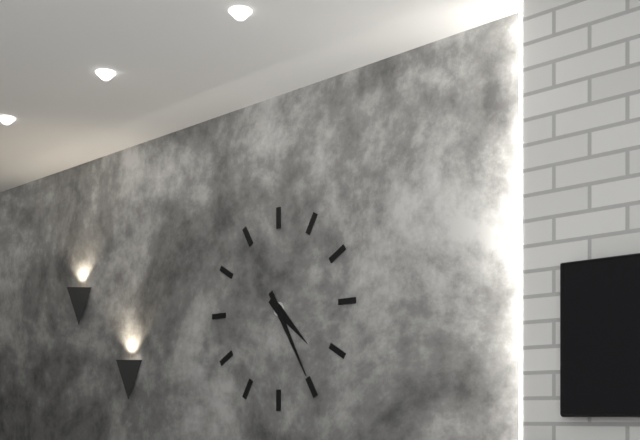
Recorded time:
4,25
